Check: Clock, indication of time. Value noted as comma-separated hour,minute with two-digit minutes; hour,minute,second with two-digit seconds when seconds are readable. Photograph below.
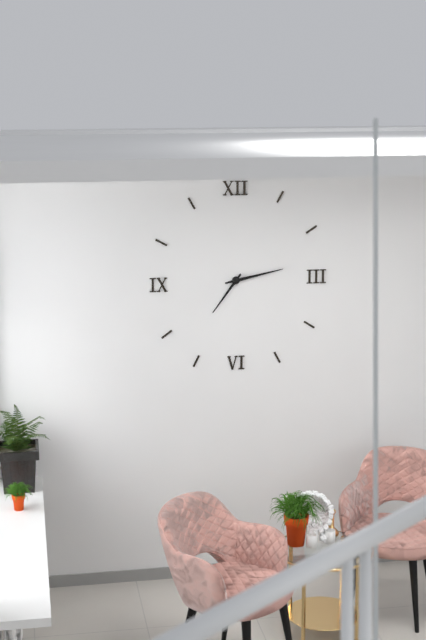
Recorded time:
7,13
